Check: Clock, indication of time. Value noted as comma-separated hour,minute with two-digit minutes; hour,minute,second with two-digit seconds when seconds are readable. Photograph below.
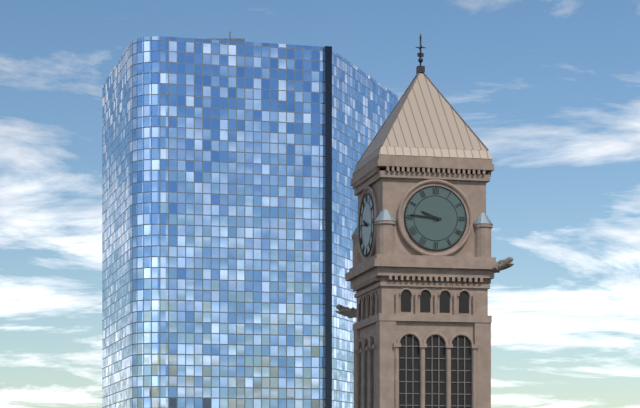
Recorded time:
9,46
